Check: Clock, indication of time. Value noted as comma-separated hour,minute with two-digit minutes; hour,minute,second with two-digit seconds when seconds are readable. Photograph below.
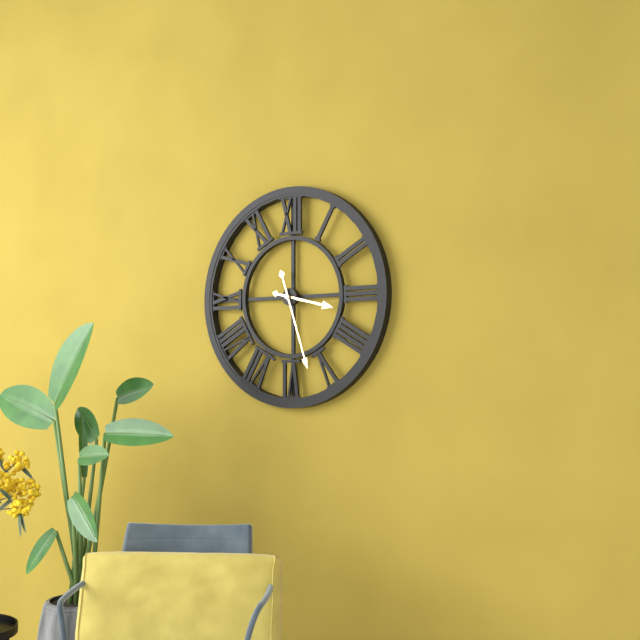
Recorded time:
3,27
